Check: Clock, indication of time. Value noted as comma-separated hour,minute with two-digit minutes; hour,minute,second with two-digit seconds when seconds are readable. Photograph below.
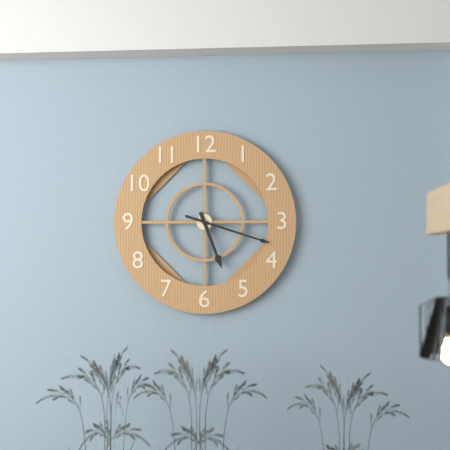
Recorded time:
5,18
